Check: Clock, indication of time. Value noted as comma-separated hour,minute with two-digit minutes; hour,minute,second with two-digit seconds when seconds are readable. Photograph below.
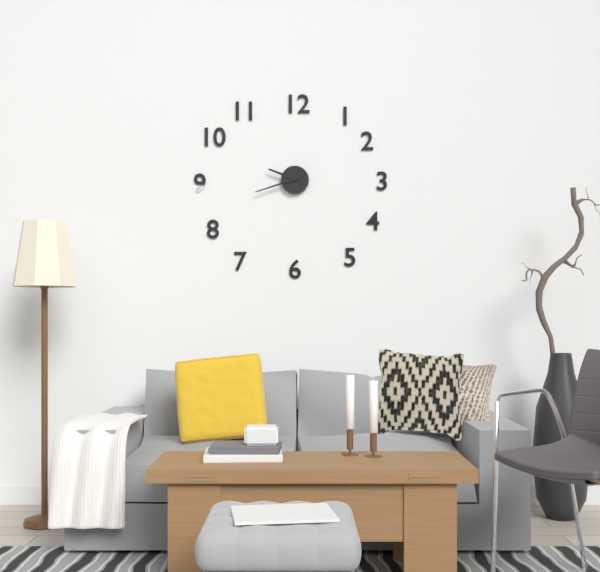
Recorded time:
9,42
